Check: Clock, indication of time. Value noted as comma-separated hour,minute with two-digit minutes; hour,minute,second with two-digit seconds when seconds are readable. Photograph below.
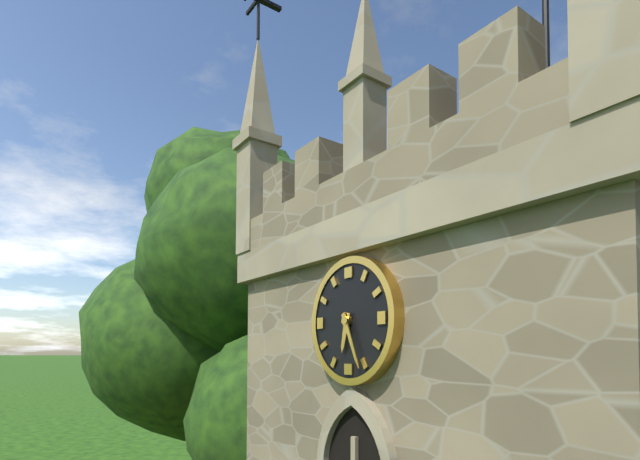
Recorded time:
6,26
